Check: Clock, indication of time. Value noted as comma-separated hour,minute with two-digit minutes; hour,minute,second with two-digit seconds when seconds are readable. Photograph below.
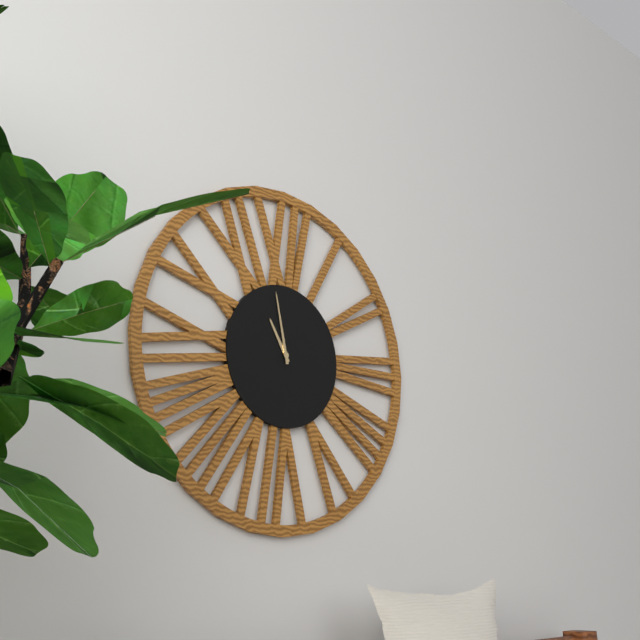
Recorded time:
10,58
